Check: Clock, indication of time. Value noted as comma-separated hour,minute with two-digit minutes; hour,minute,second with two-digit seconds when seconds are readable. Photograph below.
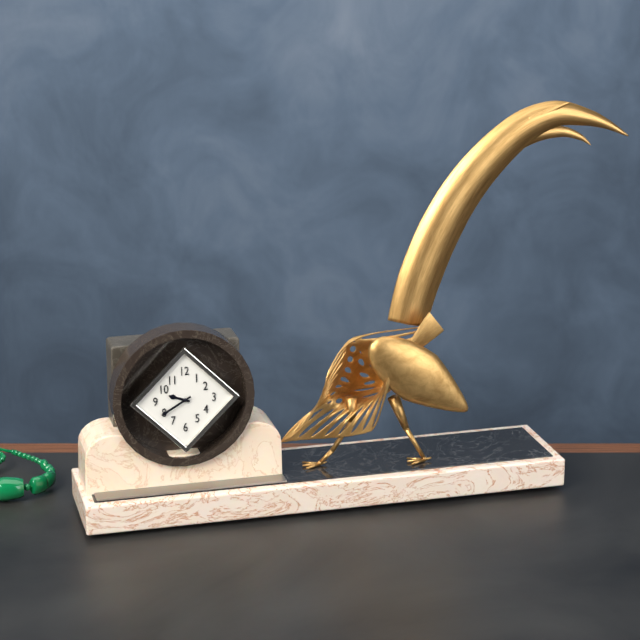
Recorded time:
9,40
